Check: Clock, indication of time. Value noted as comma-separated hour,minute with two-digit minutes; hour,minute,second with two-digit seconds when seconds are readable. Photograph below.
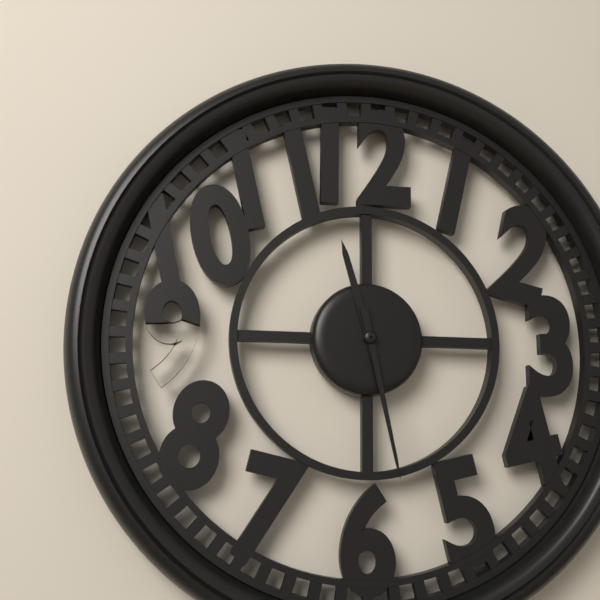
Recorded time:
11,28
